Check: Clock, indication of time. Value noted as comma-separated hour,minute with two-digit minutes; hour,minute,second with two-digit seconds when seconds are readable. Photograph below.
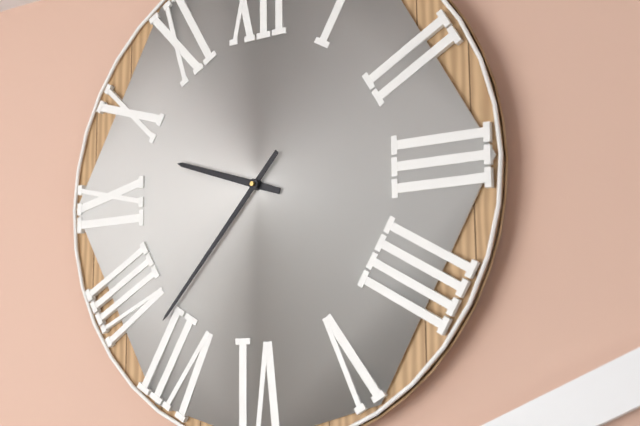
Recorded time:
9,37
